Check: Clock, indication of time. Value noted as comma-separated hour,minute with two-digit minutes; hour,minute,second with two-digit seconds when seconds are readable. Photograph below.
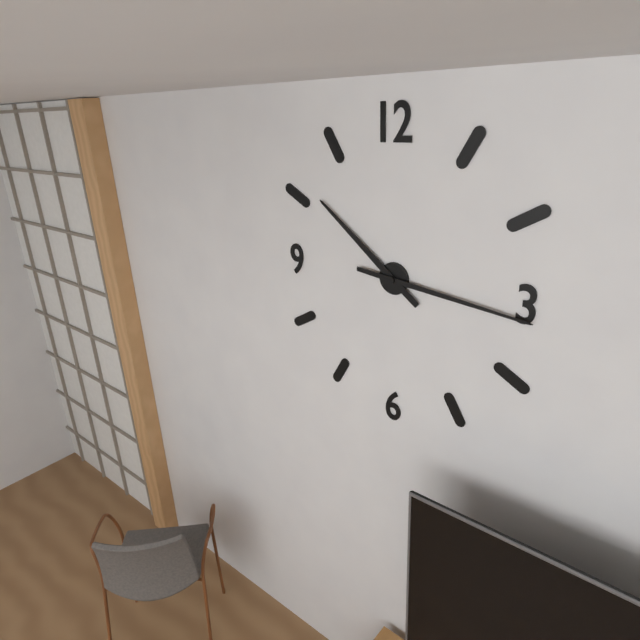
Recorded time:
10,16
